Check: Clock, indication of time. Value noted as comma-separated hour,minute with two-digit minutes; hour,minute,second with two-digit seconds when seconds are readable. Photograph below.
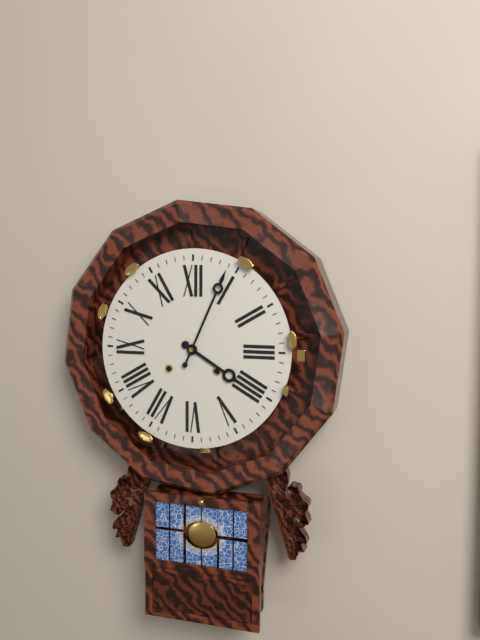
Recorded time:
4,04
